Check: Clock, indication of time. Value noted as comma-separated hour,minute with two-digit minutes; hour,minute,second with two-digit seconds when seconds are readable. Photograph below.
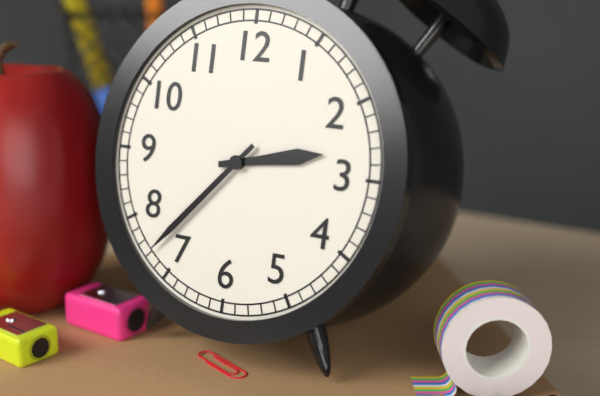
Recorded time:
2,37
